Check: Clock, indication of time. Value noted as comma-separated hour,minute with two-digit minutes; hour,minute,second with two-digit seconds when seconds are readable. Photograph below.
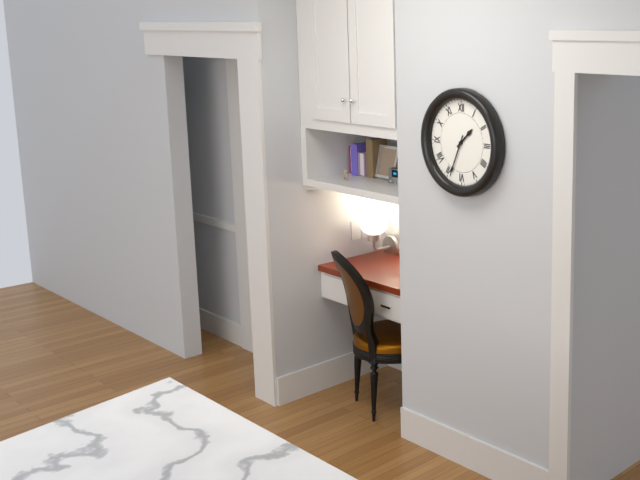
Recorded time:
1,34
